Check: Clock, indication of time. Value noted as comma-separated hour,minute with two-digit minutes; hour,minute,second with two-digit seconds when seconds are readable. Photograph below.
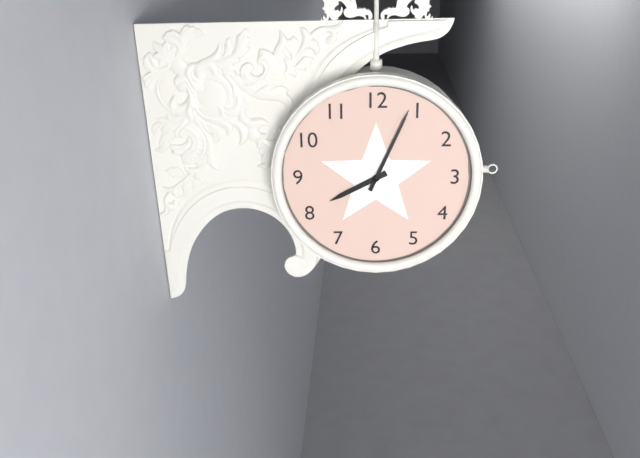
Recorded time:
8,04
